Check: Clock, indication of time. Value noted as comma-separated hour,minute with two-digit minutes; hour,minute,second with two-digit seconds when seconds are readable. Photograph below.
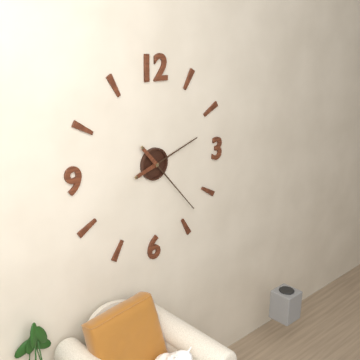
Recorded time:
2,23
